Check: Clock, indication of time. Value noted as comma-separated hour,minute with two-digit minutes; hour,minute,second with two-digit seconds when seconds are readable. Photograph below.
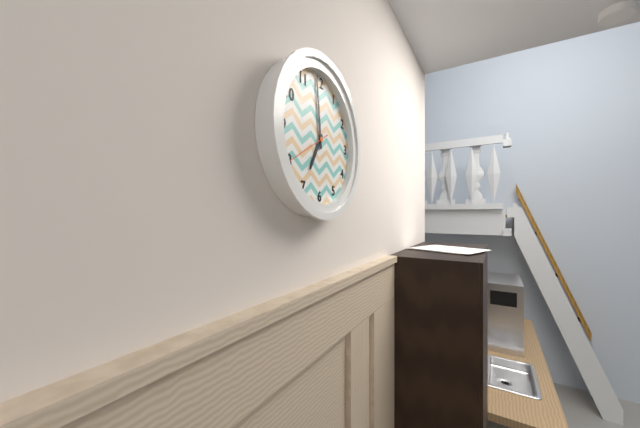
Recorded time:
6,59
